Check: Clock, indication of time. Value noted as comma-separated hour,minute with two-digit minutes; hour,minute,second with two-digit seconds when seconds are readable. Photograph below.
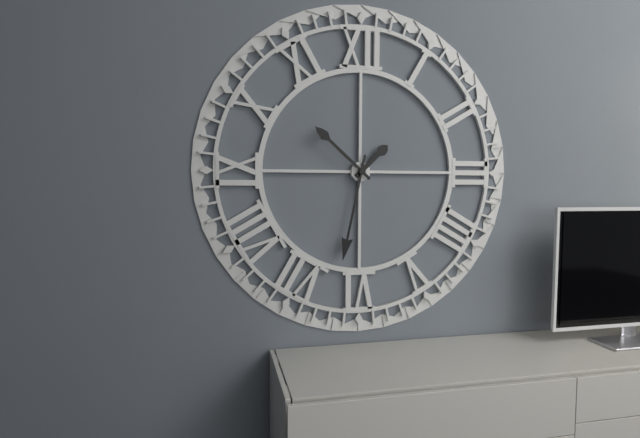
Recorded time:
1,32,52
